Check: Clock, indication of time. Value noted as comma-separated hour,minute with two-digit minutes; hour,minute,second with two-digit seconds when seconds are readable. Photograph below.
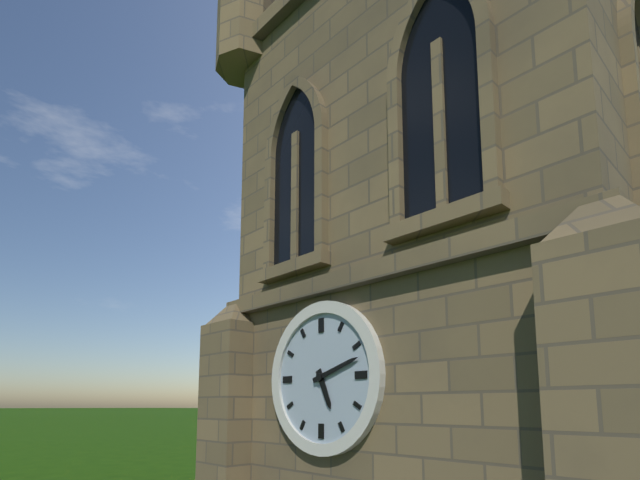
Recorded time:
5,12
